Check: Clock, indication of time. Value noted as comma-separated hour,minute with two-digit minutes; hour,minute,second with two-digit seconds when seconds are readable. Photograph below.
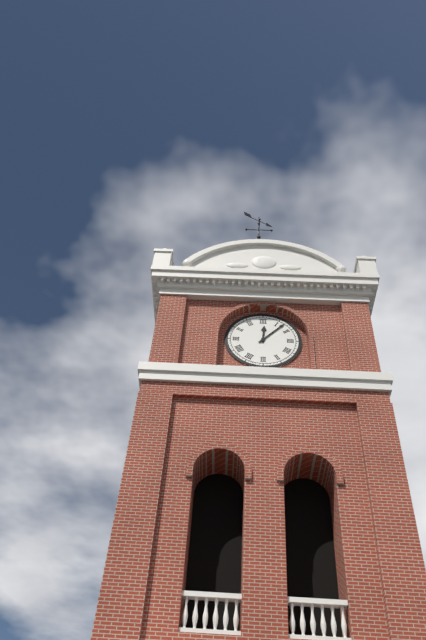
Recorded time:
12,07
